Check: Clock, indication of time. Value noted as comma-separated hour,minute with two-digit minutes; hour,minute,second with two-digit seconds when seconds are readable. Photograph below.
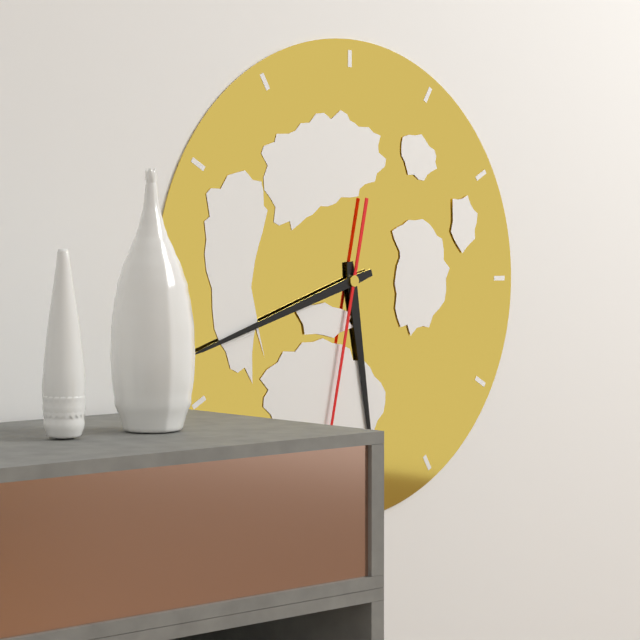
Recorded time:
5,42
